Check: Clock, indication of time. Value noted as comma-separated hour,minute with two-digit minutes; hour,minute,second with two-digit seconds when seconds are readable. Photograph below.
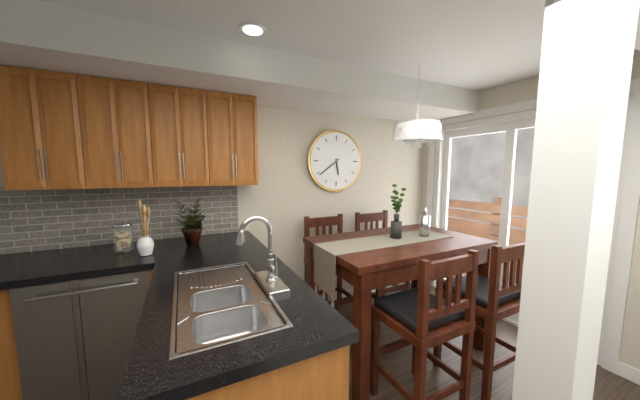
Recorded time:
5,39
